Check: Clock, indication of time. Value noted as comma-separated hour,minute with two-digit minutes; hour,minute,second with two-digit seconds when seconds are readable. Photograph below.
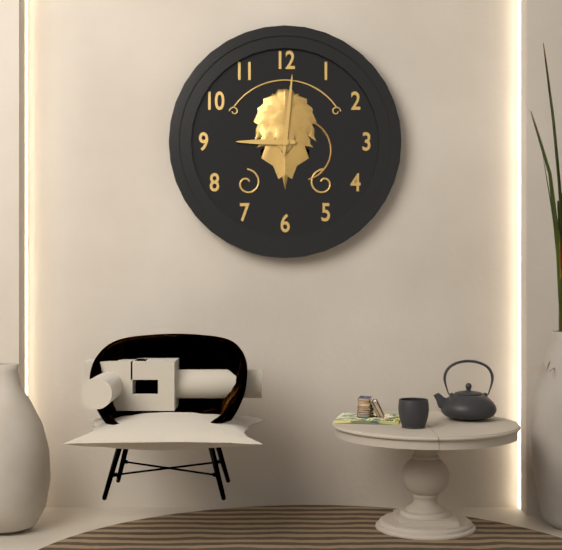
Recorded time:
9,01
